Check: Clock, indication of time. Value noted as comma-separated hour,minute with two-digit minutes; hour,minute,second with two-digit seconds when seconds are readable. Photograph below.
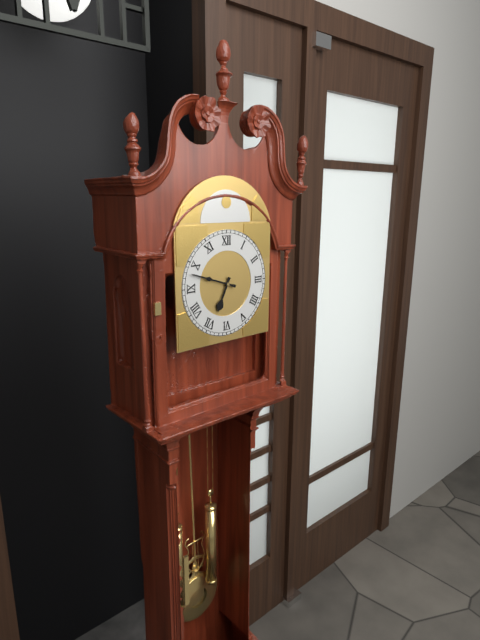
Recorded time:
6,48
